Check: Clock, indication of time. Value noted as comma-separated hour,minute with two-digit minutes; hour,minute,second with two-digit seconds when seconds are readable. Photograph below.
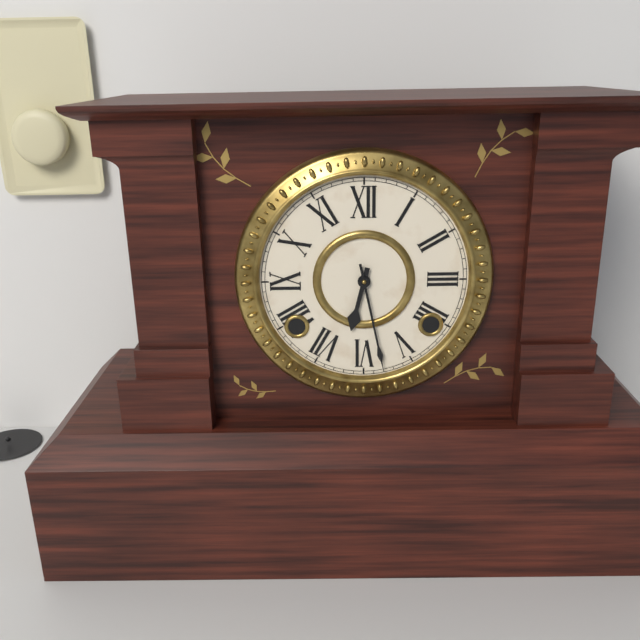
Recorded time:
6,28
